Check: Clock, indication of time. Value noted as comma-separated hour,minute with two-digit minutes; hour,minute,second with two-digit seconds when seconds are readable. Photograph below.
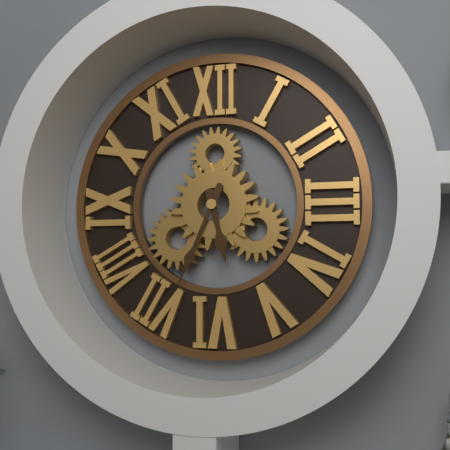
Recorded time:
5,34
